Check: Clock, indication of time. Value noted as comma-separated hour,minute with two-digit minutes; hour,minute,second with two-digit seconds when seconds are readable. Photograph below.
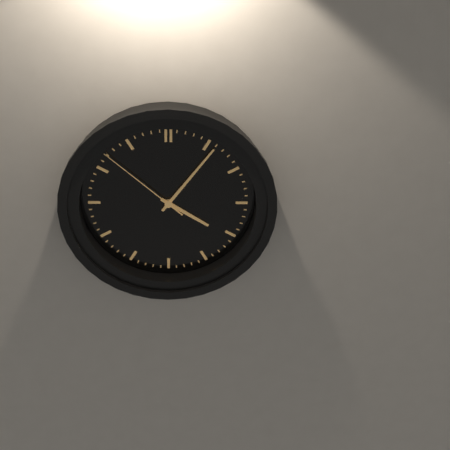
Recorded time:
4,06,52
